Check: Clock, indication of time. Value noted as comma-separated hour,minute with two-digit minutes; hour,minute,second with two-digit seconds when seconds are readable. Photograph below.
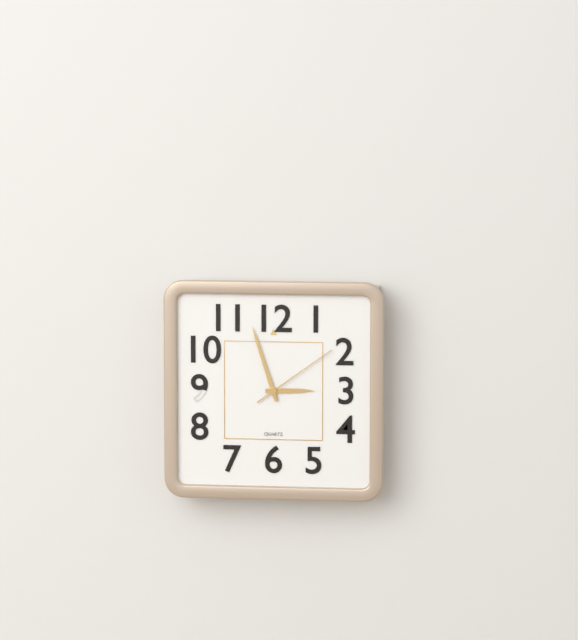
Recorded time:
2,57,09
